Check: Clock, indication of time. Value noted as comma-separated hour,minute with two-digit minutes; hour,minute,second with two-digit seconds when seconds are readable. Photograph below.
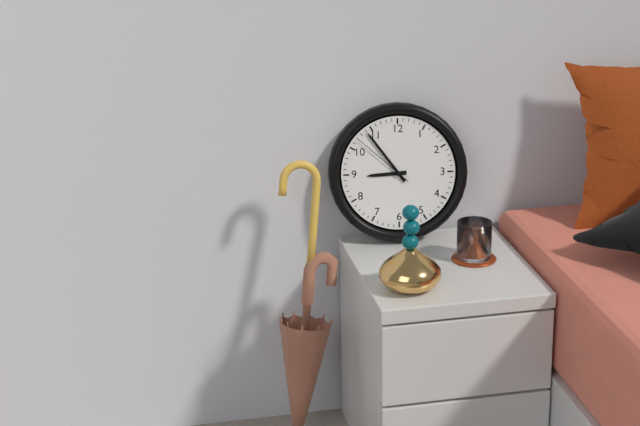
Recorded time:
8,54,52
